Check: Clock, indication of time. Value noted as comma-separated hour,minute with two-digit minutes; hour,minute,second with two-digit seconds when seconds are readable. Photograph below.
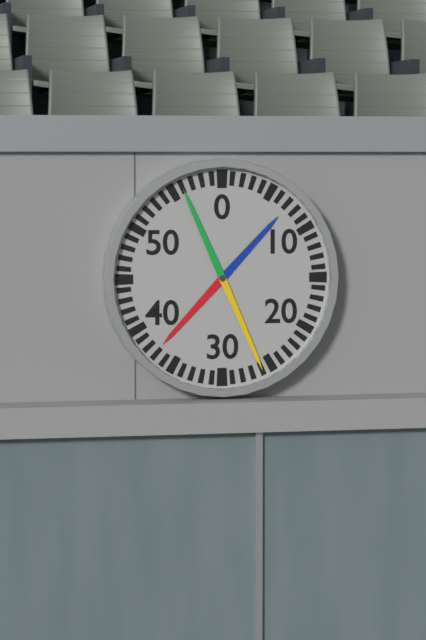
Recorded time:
7,26
